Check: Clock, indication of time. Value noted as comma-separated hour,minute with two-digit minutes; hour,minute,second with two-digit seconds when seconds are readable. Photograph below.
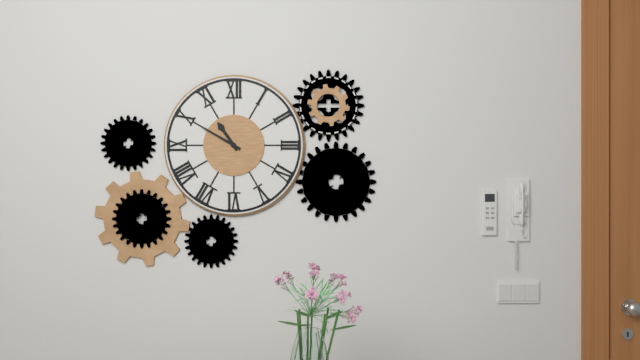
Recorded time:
10,50
